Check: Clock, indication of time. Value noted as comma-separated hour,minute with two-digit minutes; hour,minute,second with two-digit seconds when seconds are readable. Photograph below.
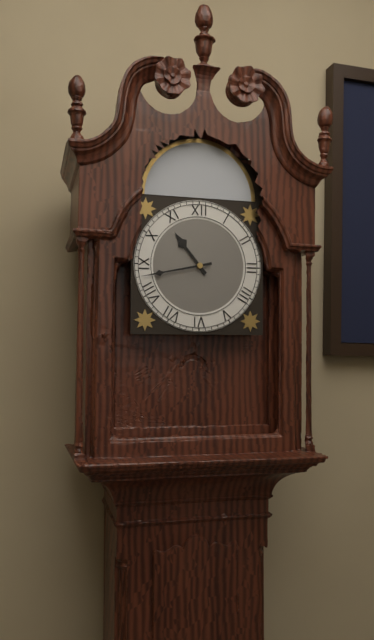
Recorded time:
10,43
